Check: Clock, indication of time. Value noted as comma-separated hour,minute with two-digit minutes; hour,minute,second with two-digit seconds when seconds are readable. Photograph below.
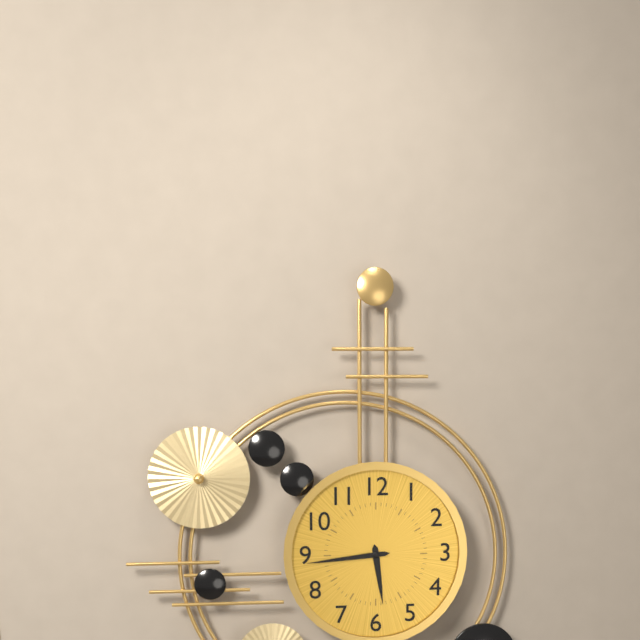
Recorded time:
5,44
